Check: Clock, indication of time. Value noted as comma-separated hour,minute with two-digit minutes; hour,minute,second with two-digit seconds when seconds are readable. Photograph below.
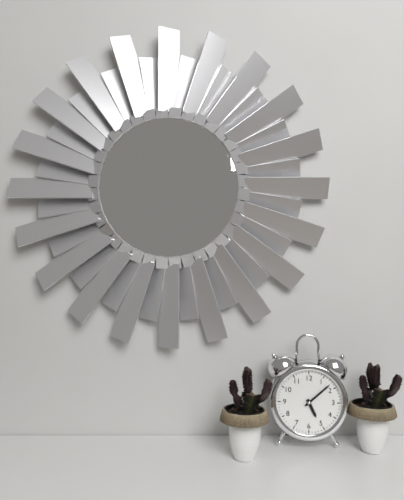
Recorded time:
5,08
